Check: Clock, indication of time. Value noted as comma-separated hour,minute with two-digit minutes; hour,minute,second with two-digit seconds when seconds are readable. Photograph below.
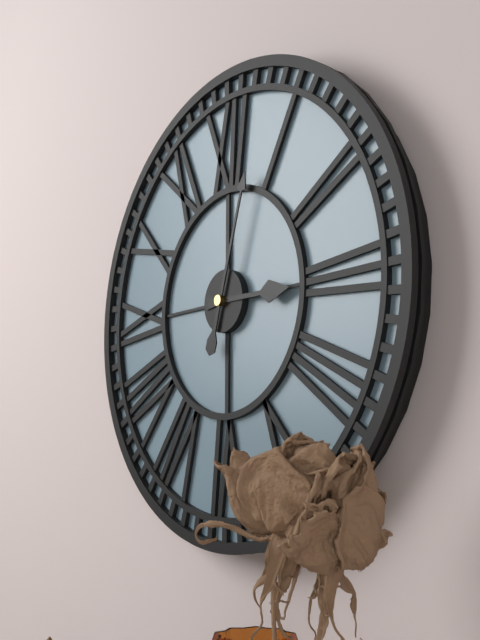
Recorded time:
3,03
